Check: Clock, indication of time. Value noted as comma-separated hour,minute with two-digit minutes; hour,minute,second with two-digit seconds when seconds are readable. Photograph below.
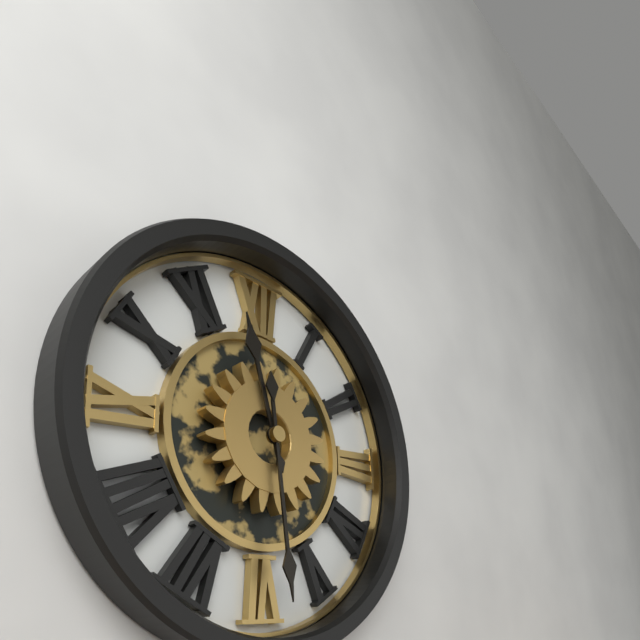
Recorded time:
11,29
